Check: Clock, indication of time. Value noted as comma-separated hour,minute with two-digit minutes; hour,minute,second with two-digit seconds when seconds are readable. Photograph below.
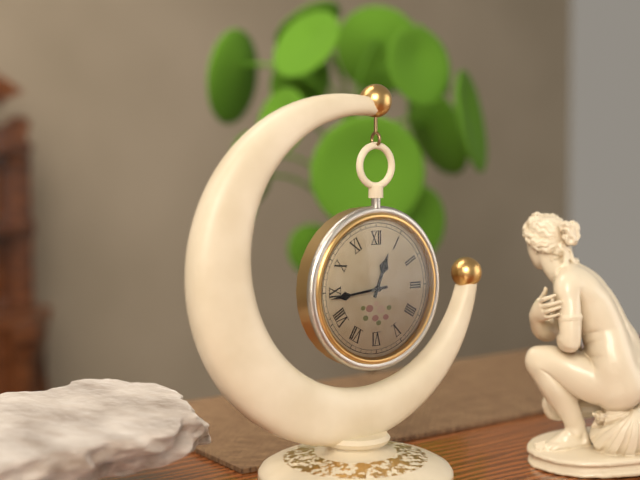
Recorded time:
12,44
